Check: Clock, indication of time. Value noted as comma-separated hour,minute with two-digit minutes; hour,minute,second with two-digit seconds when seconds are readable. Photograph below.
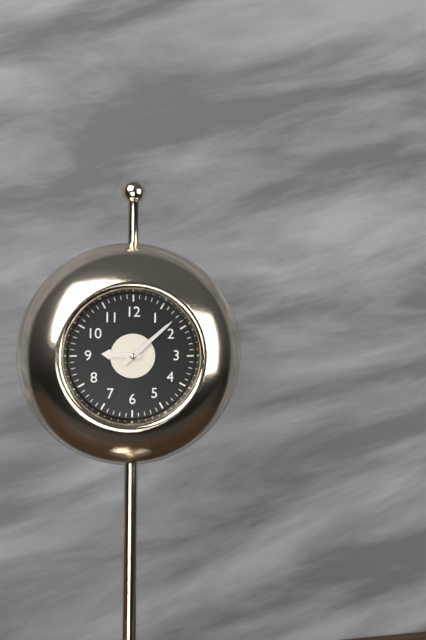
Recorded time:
9,08
